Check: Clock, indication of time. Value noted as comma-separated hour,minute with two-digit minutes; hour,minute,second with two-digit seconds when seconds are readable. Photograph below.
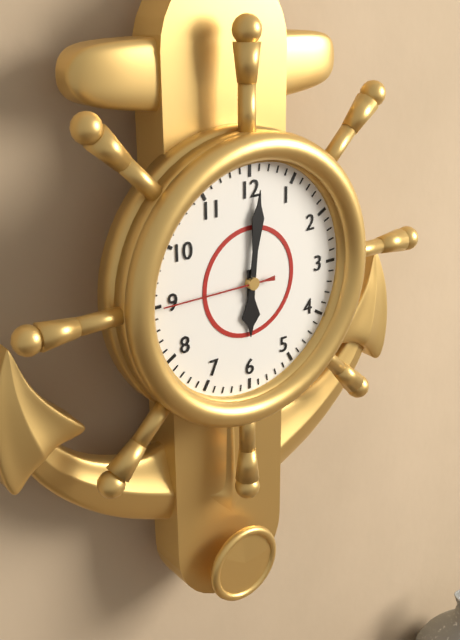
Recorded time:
6,01,45
